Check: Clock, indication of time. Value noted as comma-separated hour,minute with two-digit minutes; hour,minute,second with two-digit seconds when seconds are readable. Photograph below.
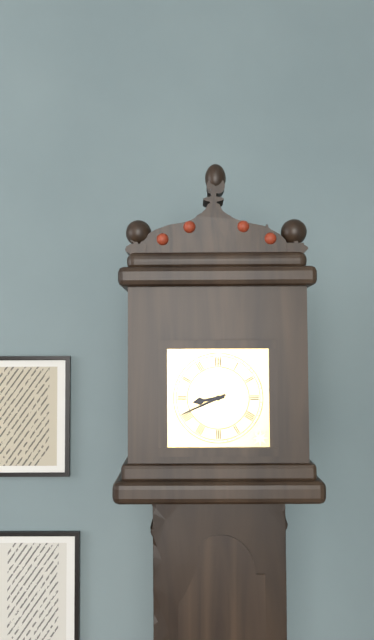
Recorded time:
8,41
